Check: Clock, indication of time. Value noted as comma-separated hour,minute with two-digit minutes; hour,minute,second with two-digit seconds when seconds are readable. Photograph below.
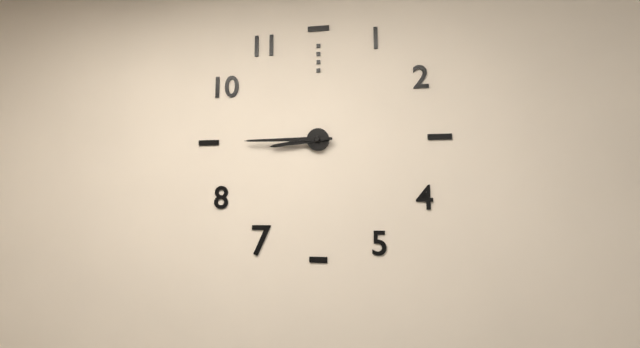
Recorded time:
8,45
